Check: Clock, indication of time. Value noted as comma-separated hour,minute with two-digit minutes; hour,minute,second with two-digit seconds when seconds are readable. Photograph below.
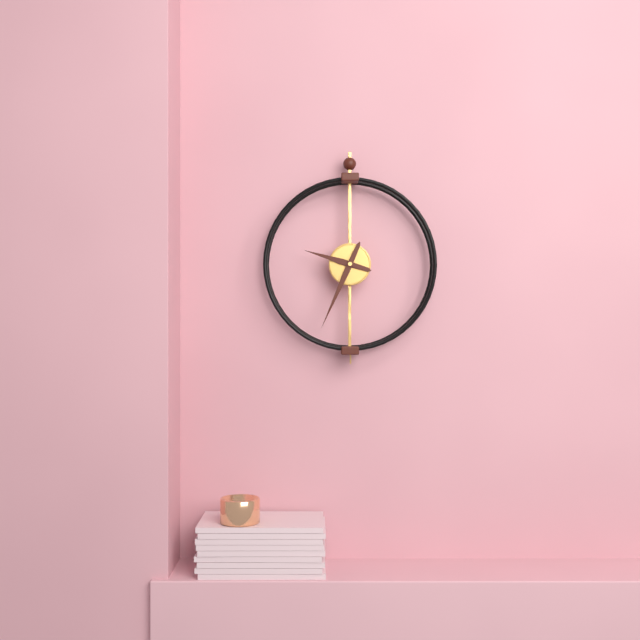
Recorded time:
9,34
